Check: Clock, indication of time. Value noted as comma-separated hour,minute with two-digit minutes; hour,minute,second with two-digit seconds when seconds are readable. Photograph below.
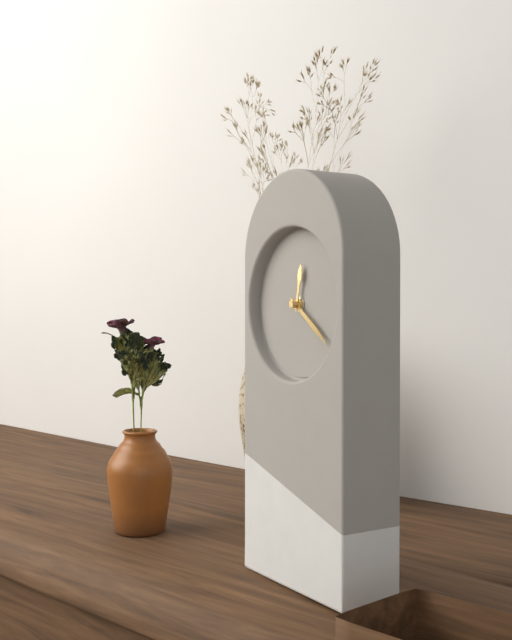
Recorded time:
12,21
